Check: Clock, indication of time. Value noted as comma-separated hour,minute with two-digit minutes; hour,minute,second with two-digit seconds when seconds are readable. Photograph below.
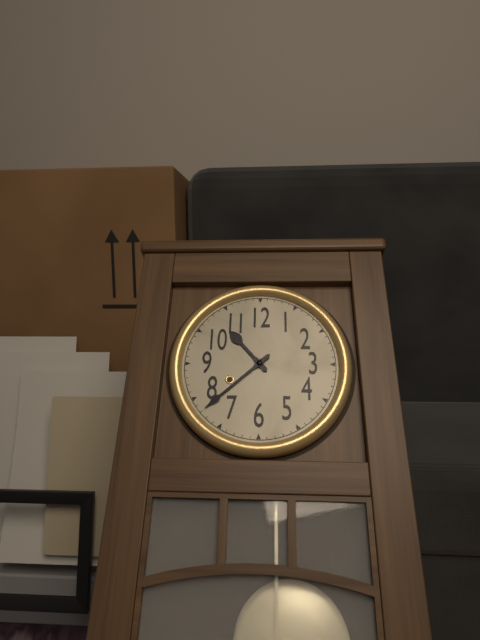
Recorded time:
10,38
